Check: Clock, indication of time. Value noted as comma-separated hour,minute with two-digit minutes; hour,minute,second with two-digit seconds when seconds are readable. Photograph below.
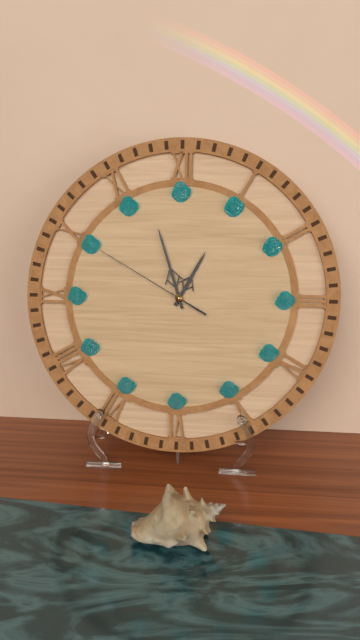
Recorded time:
12,57,50
